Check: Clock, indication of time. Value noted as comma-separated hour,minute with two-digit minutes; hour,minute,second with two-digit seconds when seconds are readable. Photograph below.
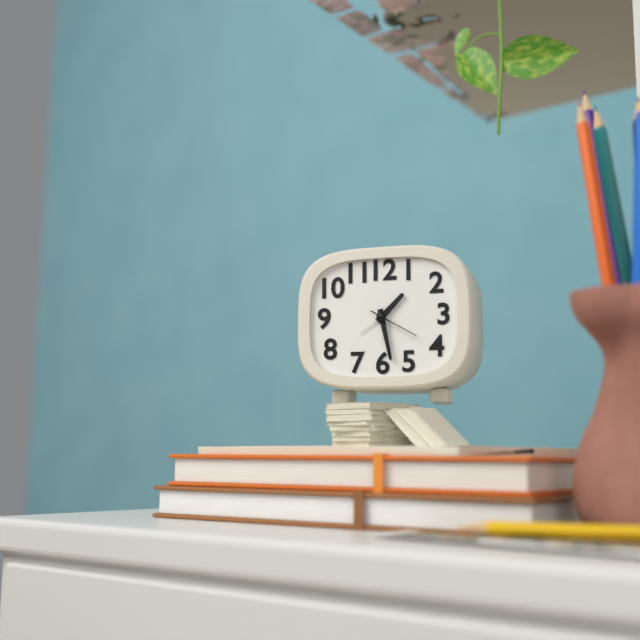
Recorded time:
1,28,20
